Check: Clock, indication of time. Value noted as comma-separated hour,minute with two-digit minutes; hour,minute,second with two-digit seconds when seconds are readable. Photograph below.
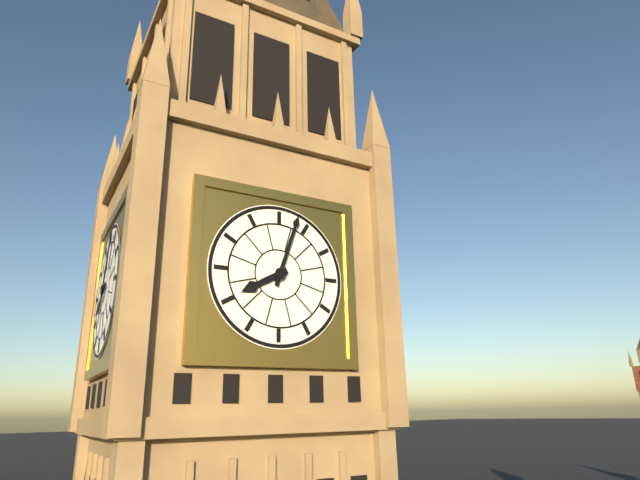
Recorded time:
8,03
